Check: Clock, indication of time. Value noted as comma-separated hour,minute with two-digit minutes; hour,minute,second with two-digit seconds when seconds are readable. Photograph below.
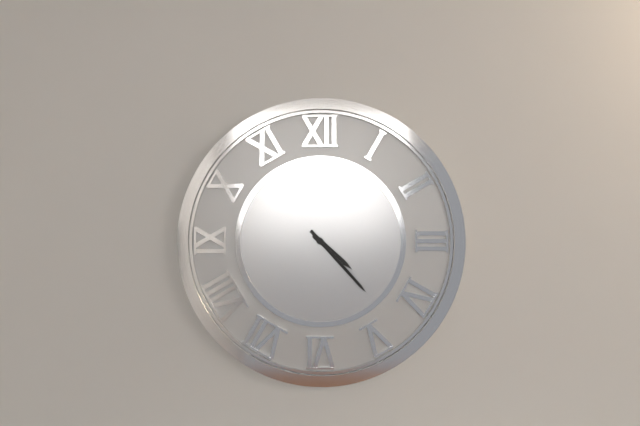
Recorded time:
4,23
